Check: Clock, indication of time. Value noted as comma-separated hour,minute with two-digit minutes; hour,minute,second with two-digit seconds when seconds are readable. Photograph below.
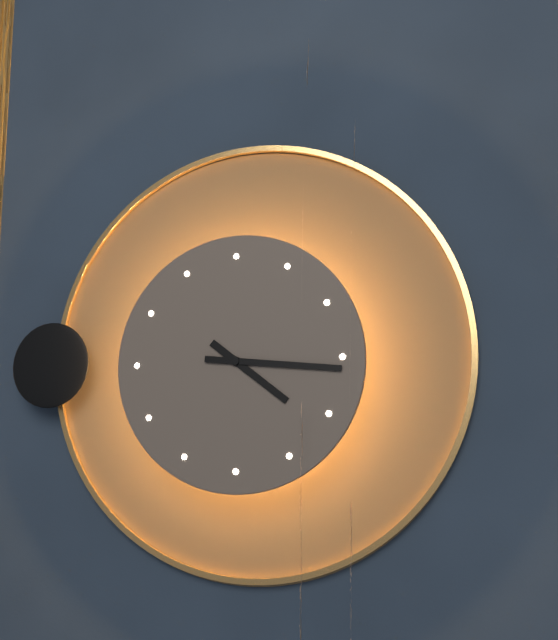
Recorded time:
4,16
